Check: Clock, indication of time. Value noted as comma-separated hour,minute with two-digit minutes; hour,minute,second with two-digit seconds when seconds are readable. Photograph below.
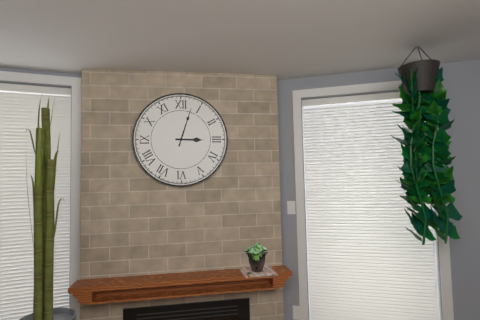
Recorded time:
3,03
